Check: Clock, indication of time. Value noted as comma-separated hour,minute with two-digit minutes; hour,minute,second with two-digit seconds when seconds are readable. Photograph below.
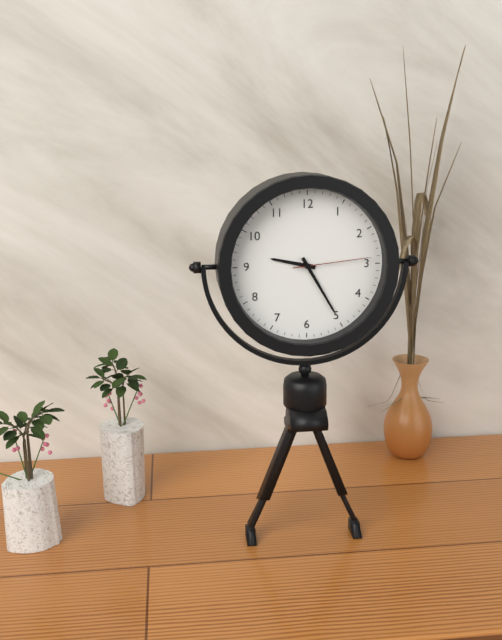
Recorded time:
9,25,14
